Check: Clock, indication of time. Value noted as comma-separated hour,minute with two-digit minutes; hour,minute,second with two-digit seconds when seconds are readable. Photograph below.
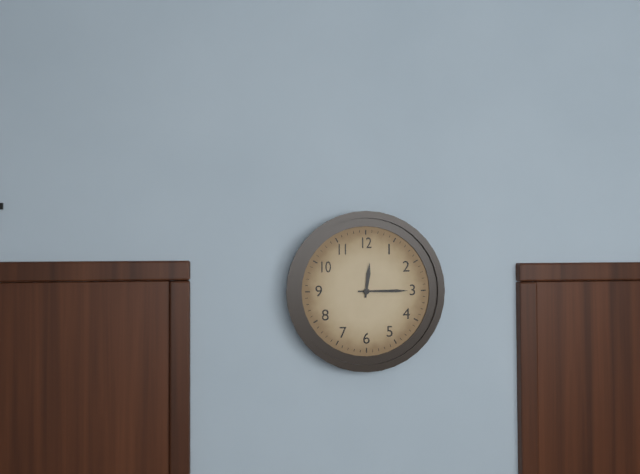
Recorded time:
12,15
